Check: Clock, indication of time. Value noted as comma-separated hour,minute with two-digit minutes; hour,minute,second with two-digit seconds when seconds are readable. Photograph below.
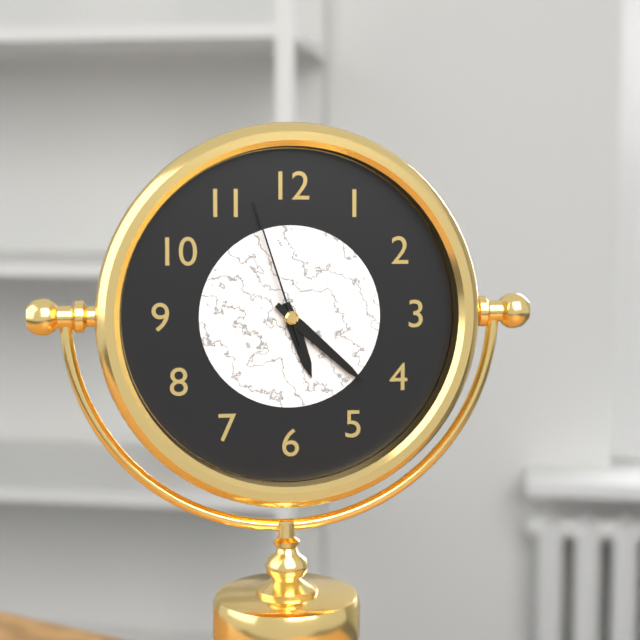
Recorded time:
5,22,57
